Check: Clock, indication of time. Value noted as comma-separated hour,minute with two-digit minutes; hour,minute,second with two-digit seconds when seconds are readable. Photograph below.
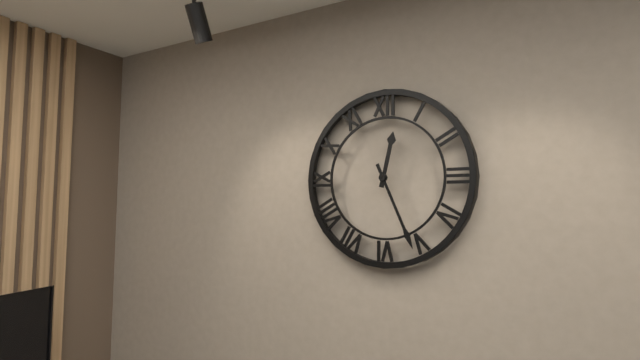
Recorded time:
12,26
